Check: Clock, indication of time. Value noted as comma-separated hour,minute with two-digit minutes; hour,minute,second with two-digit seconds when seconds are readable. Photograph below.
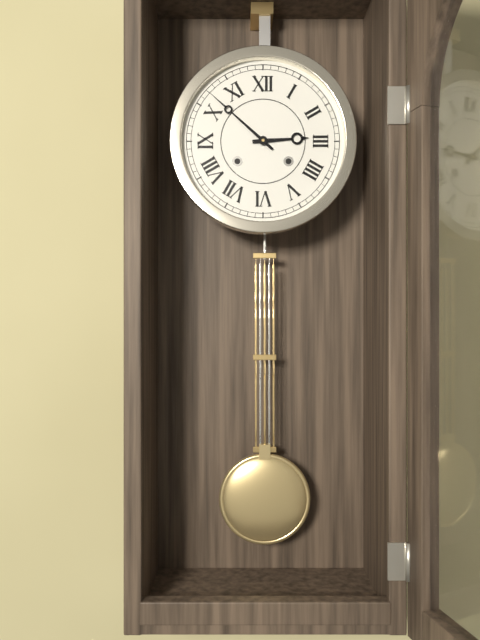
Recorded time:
2,52
